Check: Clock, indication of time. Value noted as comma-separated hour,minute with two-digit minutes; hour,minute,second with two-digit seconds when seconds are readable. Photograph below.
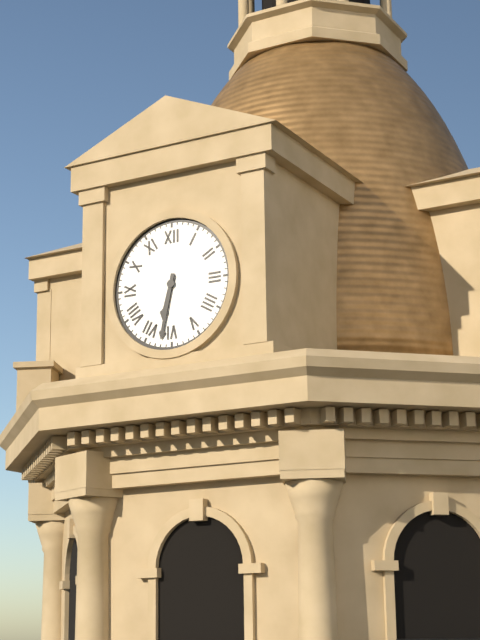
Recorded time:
6,32
